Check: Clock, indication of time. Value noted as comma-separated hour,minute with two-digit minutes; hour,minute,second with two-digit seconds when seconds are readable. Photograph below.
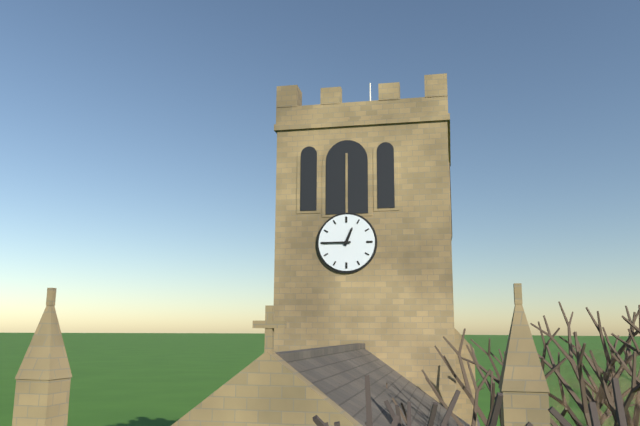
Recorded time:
12,45
